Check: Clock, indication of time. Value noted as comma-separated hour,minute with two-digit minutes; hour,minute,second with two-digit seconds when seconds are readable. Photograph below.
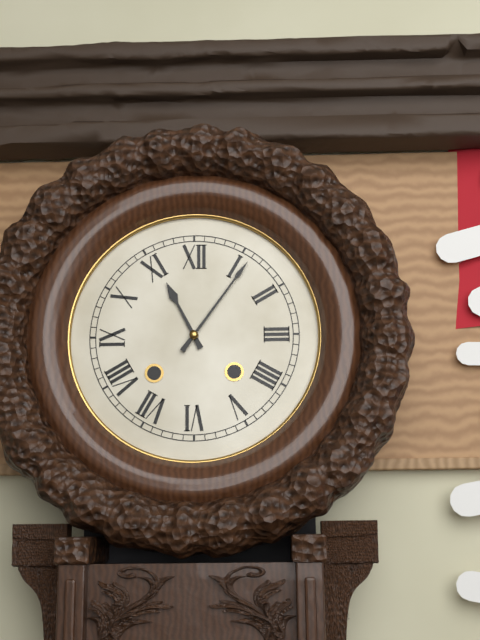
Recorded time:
11,06
